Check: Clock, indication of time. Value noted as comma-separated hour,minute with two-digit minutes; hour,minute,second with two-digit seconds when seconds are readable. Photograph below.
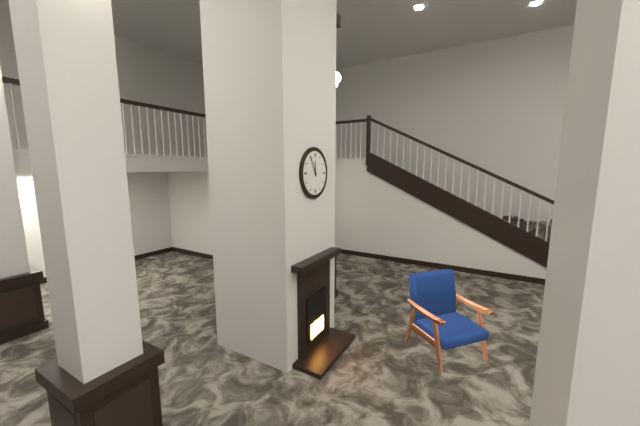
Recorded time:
11,55
